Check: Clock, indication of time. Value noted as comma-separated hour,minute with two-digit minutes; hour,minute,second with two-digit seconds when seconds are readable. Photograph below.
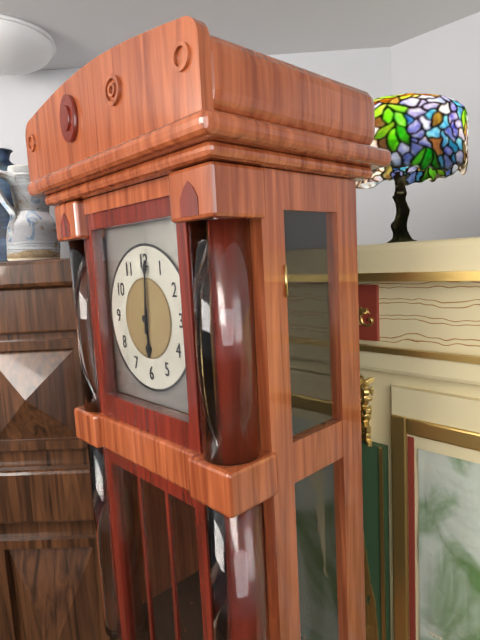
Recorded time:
6,01
